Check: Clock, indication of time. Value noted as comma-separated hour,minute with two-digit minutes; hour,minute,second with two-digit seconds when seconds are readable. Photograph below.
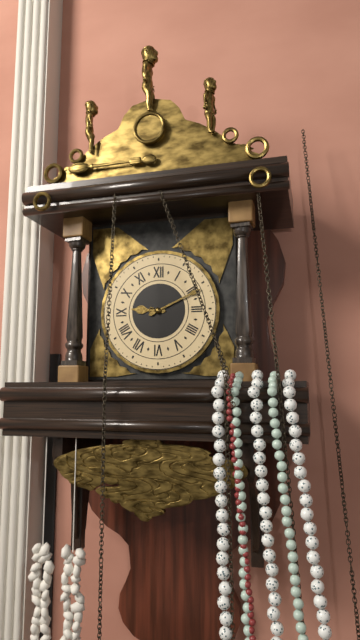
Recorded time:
9,11
